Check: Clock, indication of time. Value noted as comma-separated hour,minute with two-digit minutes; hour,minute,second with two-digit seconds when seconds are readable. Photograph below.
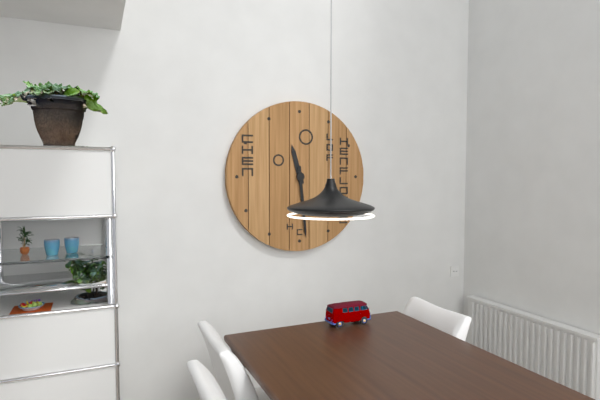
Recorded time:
11,29
